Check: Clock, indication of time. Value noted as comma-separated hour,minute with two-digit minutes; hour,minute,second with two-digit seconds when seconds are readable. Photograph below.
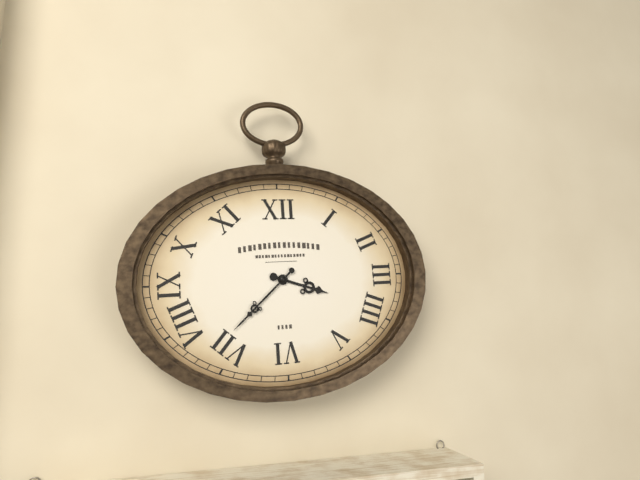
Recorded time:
3,38
